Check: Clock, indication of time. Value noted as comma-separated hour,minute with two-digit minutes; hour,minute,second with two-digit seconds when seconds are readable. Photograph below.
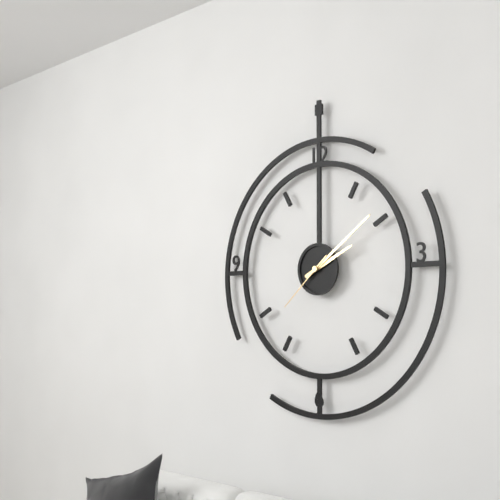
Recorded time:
2,09,38
